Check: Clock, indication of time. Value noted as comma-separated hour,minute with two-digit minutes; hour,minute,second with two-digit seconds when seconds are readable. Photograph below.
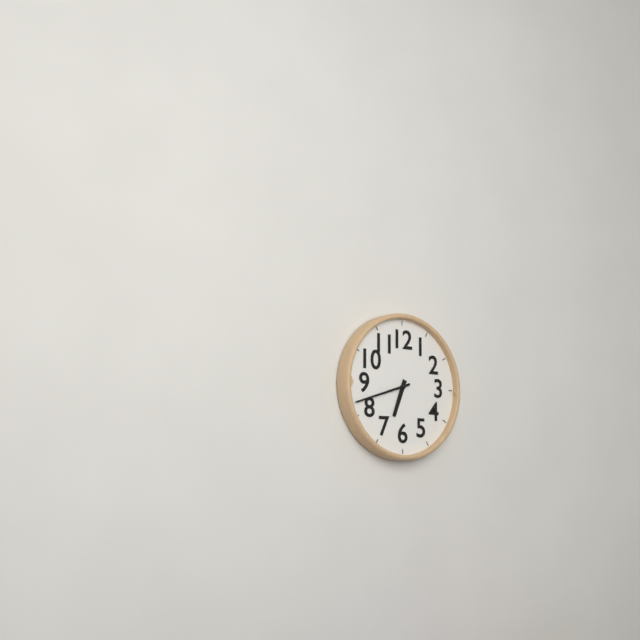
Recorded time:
6,42
